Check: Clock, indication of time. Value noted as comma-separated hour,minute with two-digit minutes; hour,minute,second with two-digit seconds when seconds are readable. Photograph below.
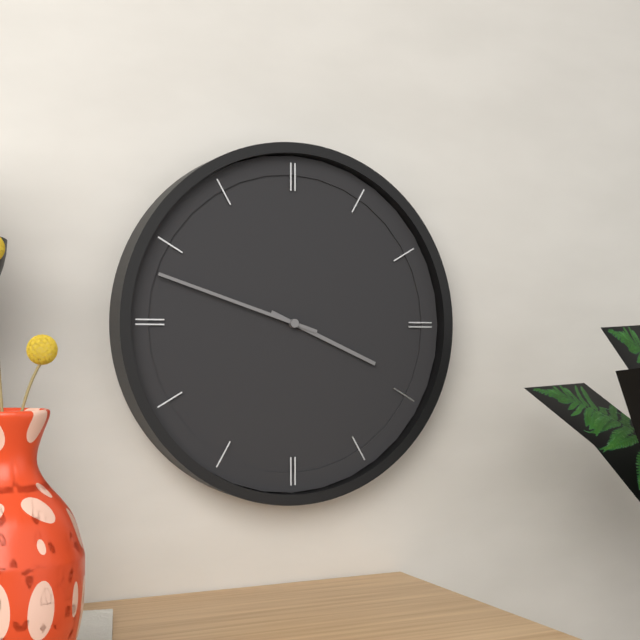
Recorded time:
3,48
